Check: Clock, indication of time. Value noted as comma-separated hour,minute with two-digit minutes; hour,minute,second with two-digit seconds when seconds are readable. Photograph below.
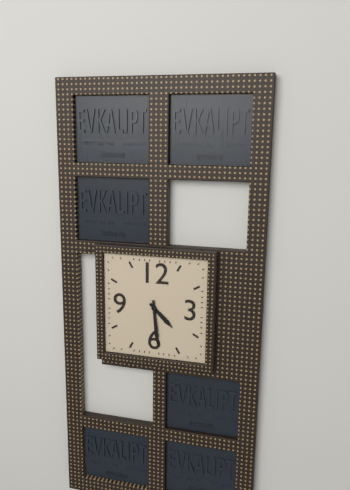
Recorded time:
4,29
